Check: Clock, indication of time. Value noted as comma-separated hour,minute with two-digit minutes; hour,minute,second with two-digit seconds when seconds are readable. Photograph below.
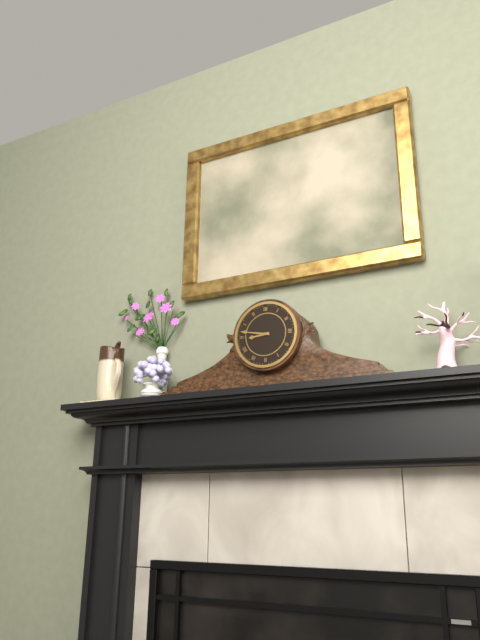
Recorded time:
8,47
